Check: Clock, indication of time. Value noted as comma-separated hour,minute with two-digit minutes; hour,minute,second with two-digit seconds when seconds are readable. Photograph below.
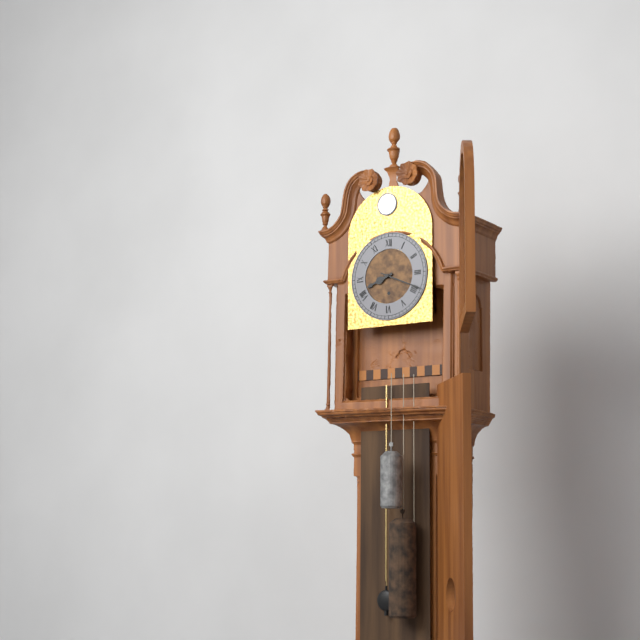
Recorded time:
8,19
